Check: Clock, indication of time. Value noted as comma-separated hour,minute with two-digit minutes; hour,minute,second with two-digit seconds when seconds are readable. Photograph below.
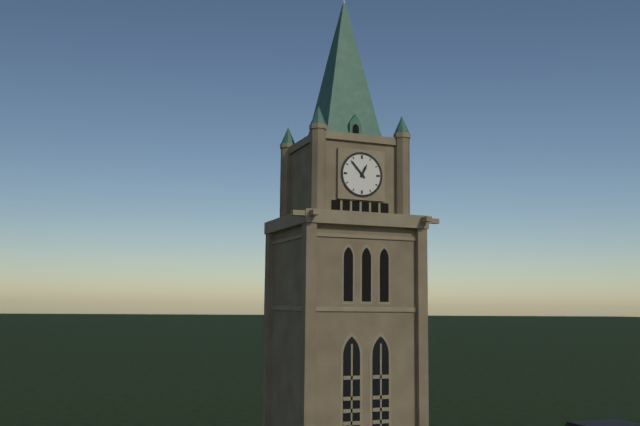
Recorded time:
12,53
